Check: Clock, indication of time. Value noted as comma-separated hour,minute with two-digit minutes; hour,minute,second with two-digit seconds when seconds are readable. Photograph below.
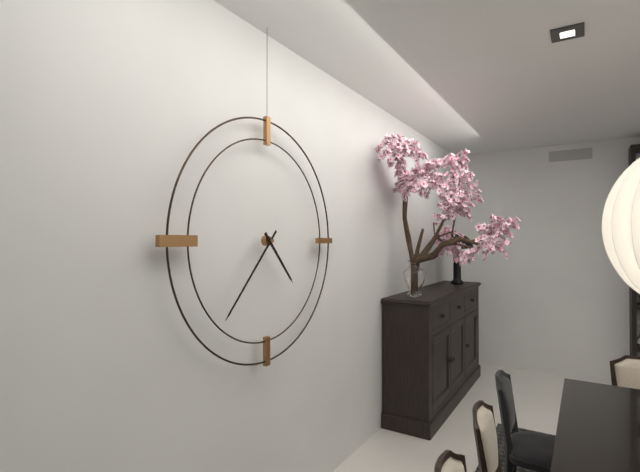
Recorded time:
4,37
